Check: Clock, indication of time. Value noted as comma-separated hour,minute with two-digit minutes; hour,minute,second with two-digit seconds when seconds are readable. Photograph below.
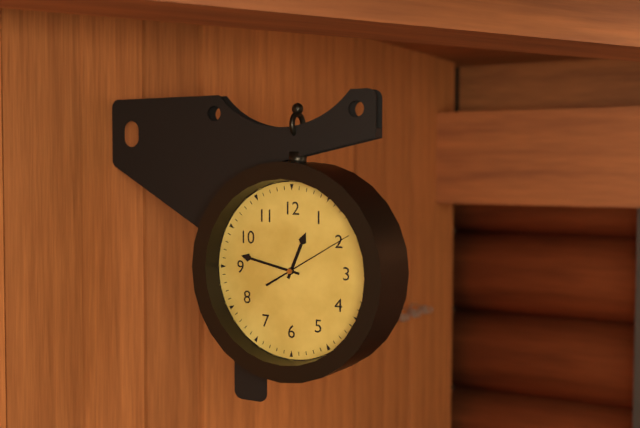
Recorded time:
12,47,10
